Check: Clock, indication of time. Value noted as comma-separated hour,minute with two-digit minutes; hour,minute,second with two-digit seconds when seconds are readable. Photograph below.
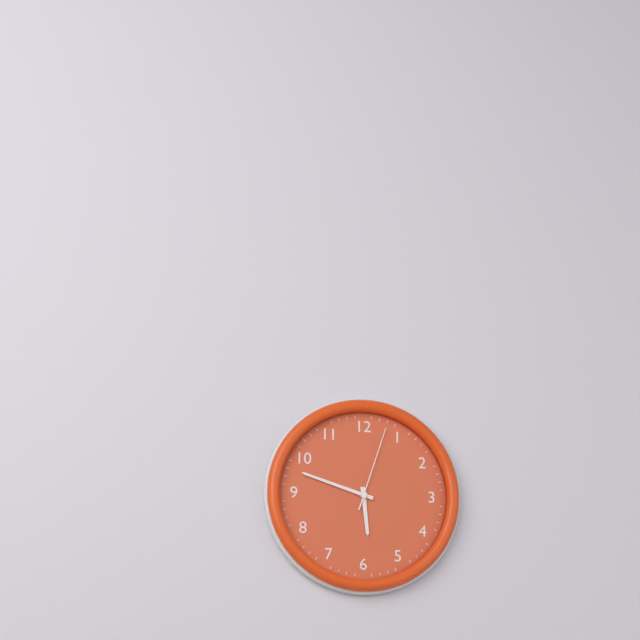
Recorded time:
5,48,03
